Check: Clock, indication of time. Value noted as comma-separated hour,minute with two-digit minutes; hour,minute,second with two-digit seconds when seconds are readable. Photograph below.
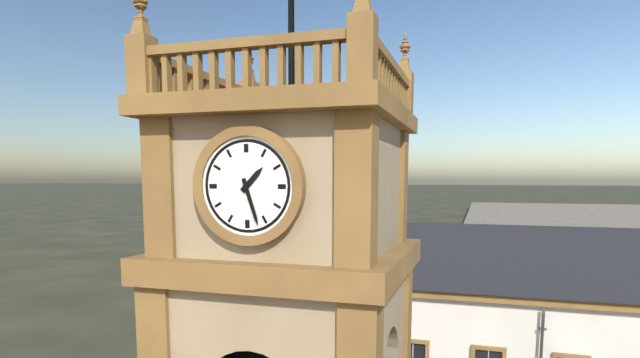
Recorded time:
1,27
